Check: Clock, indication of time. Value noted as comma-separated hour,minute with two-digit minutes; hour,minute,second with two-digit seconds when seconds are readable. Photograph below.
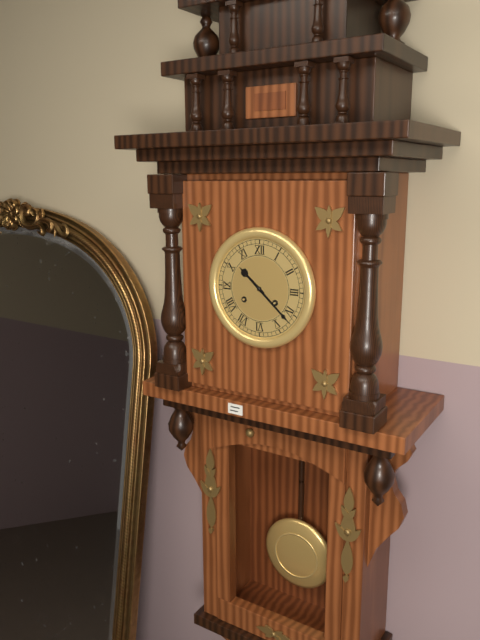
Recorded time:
10,22
